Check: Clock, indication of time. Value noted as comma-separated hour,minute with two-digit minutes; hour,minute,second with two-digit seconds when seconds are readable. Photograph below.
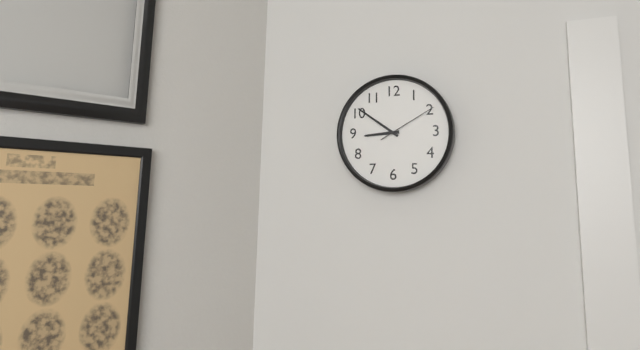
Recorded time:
8,51,10
